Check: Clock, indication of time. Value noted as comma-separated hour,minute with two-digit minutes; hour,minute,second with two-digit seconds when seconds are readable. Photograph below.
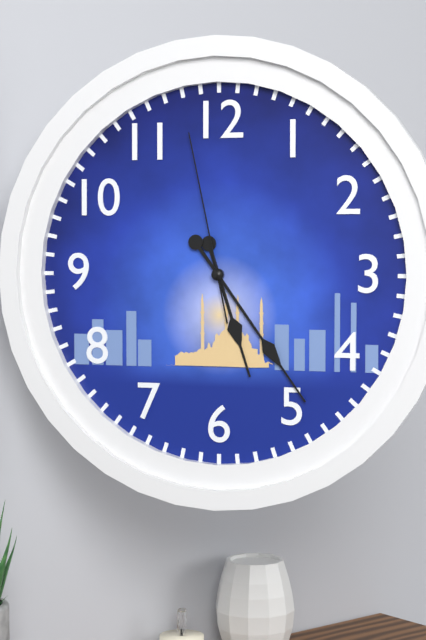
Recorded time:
5,24,58
